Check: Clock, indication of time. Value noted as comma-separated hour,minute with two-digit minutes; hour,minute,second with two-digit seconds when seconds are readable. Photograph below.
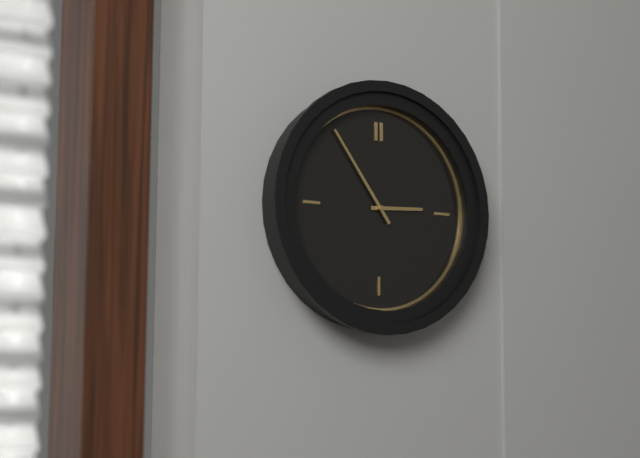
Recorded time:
2,54
